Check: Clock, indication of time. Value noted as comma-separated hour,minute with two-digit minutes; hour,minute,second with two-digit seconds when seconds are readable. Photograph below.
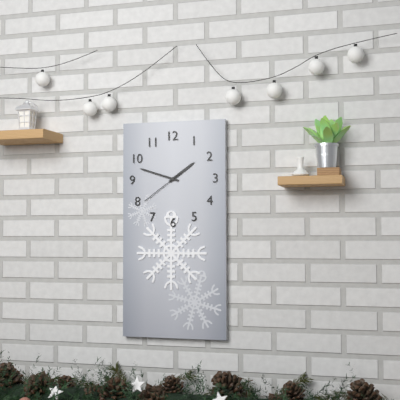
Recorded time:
1,48
